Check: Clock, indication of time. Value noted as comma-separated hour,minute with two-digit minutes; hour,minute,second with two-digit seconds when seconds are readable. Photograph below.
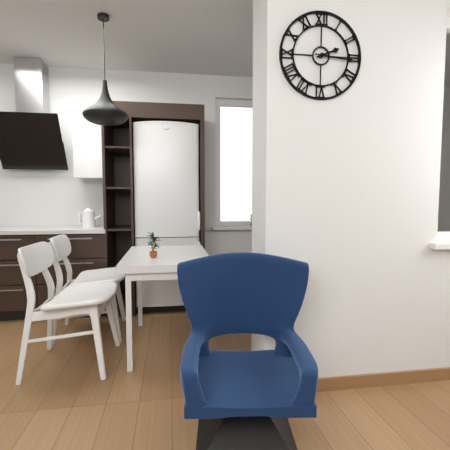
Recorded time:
2,16
